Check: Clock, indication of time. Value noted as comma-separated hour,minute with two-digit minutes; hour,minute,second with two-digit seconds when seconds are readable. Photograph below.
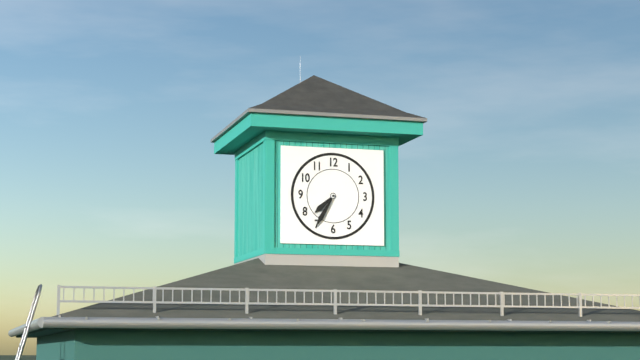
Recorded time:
7,35
